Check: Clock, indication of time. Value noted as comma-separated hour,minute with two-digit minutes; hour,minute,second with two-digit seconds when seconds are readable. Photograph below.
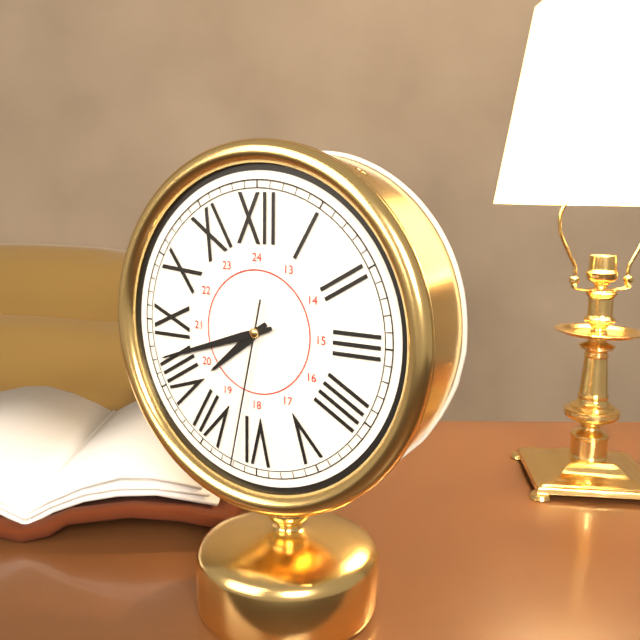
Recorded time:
7,42,32
